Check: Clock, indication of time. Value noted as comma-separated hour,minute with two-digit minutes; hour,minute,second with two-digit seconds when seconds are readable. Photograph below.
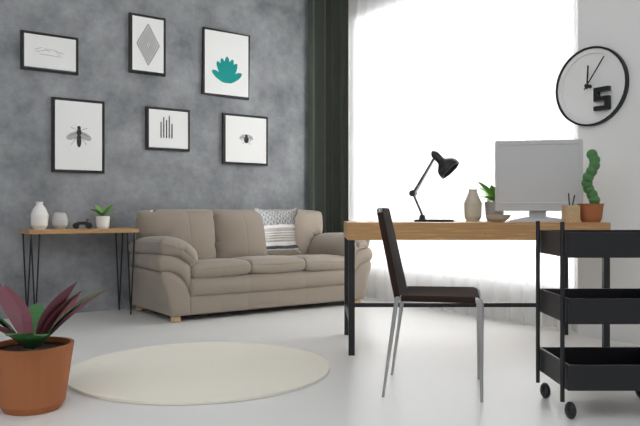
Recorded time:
12,06
